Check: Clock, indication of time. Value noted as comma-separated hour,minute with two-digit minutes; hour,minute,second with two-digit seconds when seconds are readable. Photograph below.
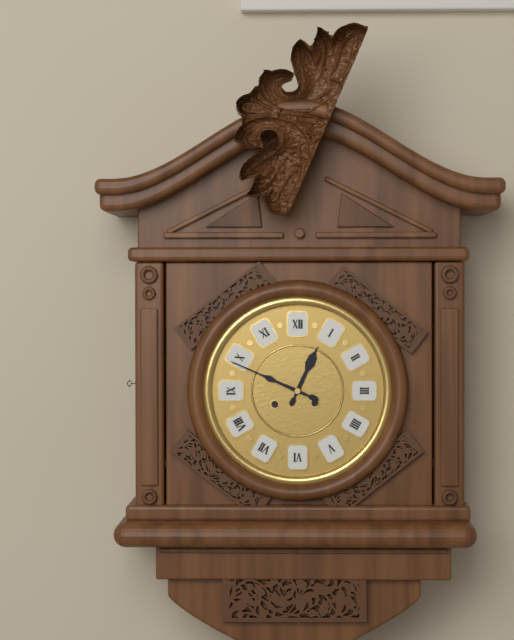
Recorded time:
12,49
